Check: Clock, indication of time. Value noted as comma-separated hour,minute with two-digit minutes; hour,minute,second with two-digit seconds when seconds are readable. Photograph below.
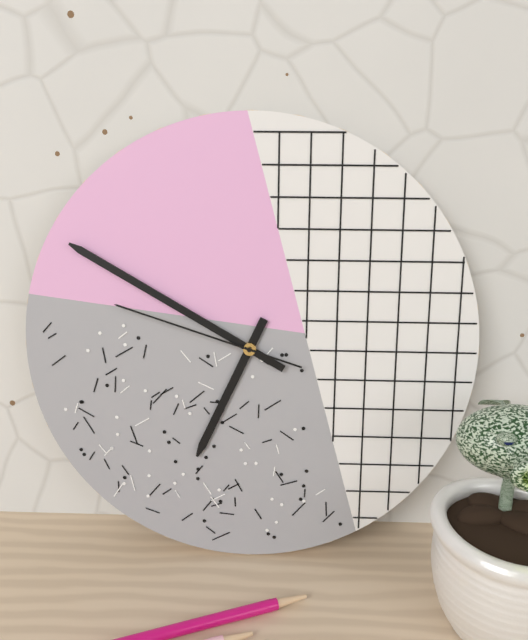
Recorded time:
6,50,48
